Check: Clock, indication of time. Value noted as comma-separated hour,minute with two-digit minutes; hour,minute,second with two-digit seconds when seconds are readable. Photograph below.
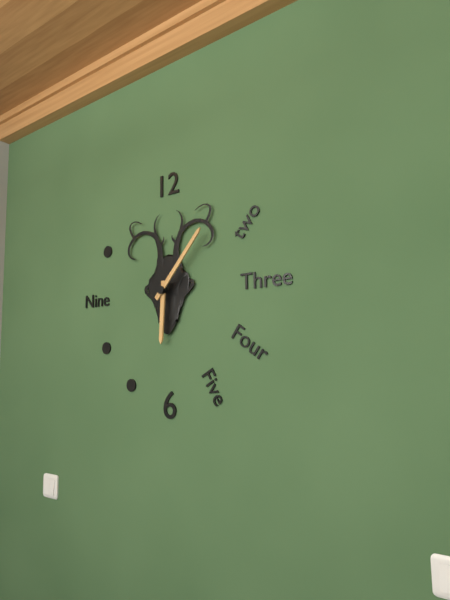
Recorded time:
6,07
